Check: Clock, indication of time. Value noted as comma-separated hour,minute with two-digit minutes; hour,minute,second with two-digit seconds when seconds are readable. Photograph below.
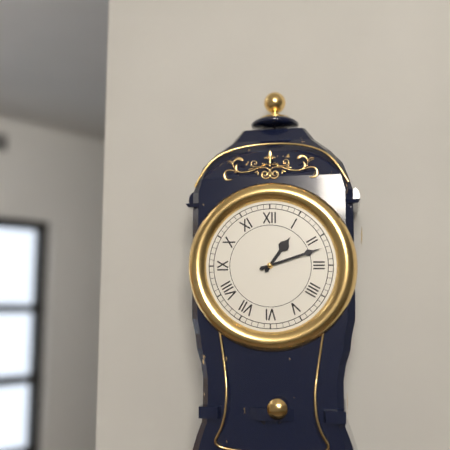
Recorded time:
1,12
